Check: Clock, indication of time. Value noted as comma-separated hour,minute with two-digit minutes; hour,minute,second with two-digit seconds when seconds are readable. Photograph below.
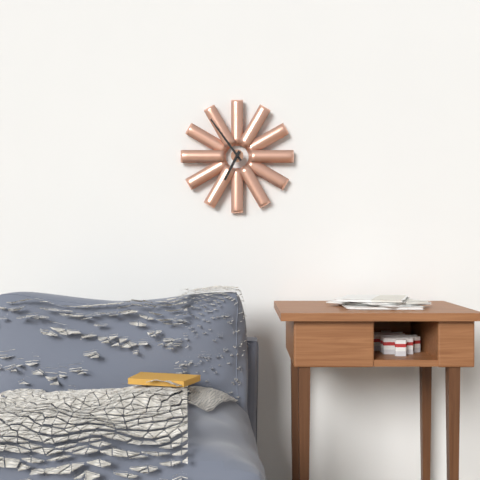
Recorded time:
6,54
